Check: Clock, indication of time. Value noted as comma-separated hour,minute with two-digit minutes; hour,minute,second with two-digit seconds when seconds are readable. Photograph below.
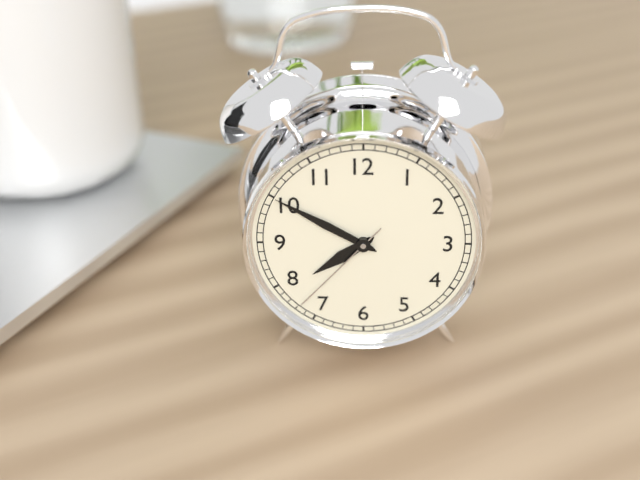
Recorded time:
7,50,37
